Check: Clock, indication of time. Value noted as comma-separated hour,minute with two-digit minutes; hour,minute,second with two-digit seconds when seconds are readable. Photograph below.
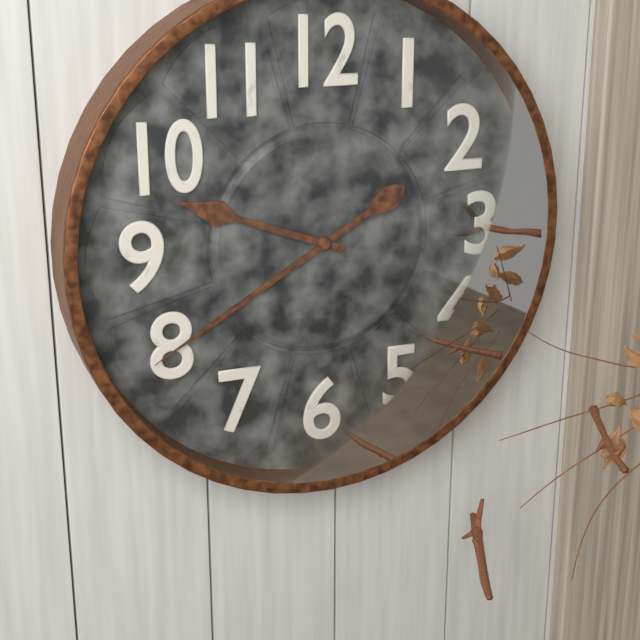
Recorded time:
9,40
